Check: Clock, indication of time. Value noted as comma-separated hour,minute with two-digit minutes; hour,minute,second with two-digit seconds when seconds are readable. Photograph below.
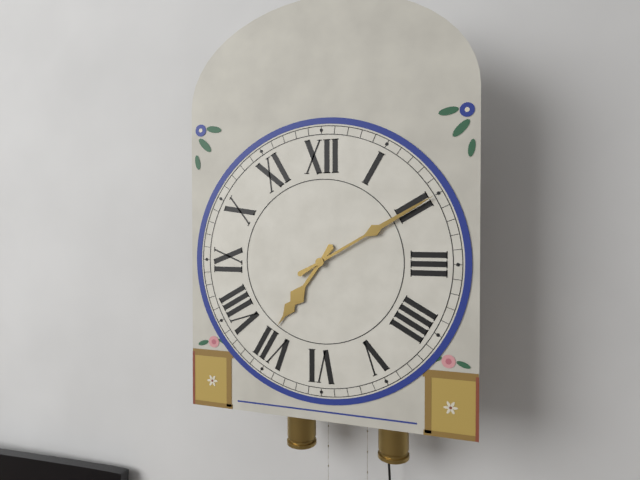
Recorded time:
7,10
